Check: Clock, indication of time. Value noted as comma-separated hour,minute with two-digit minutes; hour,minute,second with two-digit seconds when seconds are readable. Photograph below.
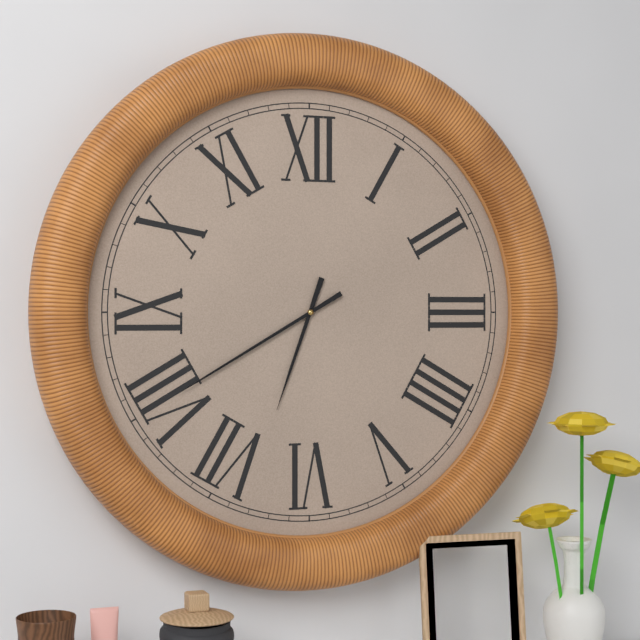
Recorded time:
6,40
